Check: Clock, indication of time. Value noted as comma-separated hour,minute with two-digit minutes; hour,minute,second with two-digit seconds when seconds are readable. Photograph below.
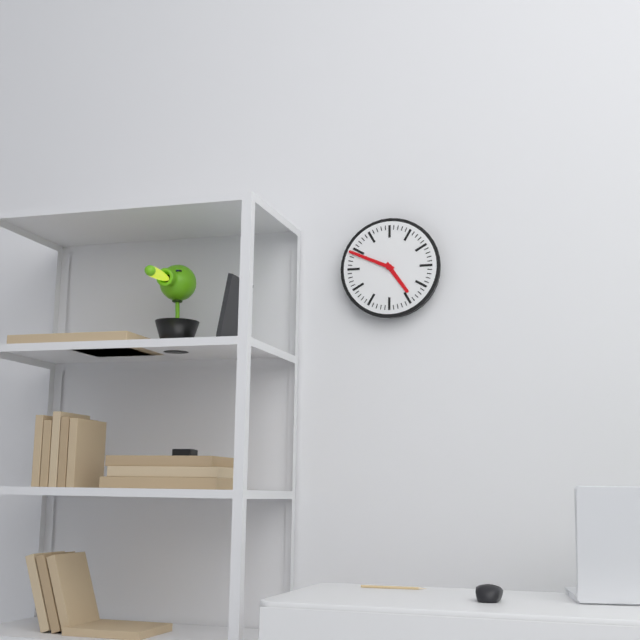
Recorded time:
4,49
